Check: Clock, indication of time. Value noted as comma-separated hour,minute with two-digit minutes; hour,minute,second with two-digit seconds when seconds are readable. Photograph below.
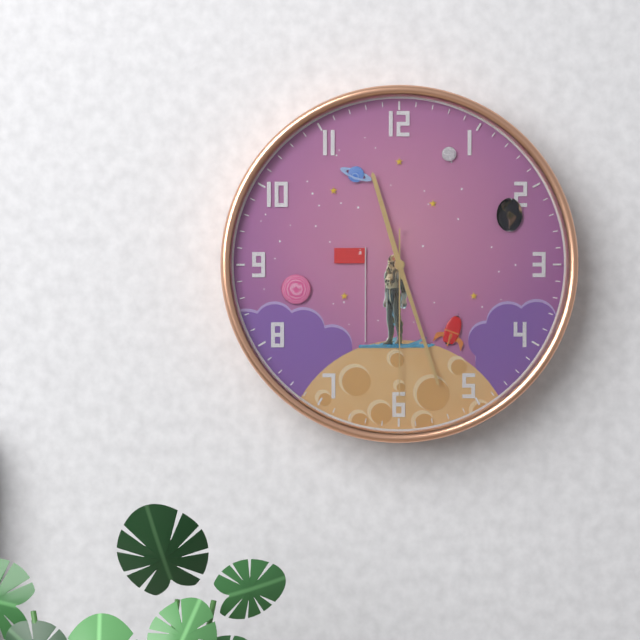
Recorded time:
11,27,30
